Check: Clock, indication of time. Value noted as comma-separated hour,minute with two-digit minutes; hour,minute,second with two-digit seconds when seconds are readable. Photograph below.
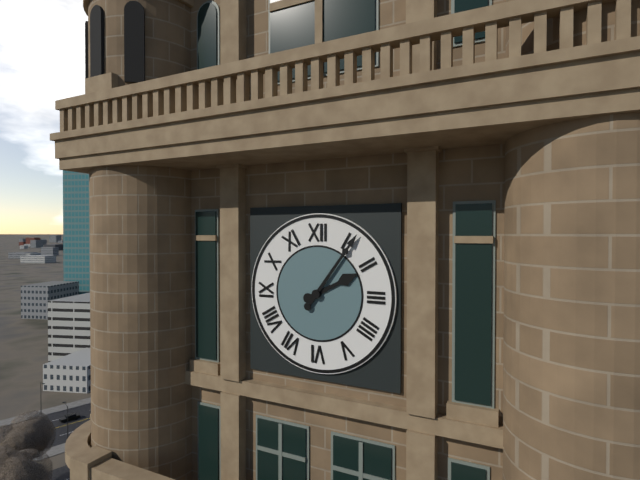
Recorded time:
2,06
